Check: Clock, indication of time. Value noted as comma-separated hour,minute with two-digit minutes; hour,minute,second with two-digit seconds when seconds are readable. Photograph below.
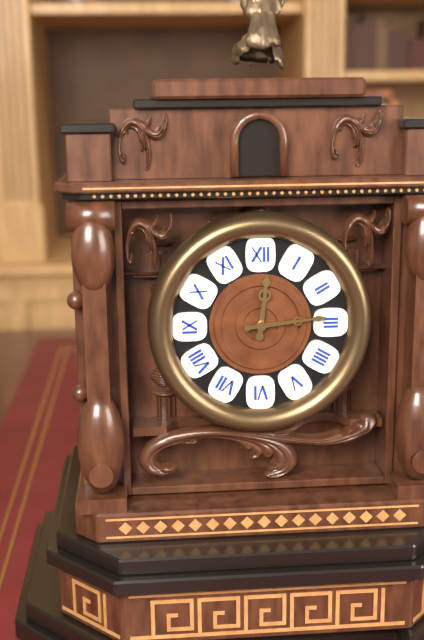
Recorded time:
12,14
